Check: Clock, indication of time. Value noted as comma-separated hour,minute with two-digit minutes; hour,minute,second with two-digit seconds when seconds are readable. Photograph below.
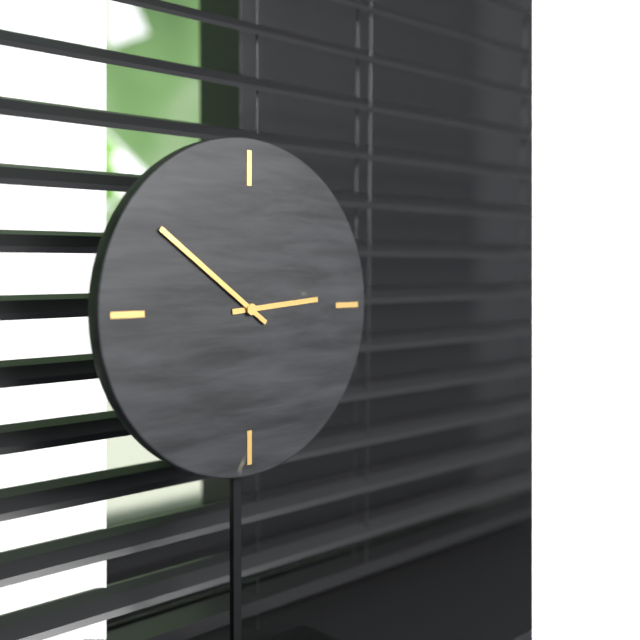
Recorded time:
2,51
